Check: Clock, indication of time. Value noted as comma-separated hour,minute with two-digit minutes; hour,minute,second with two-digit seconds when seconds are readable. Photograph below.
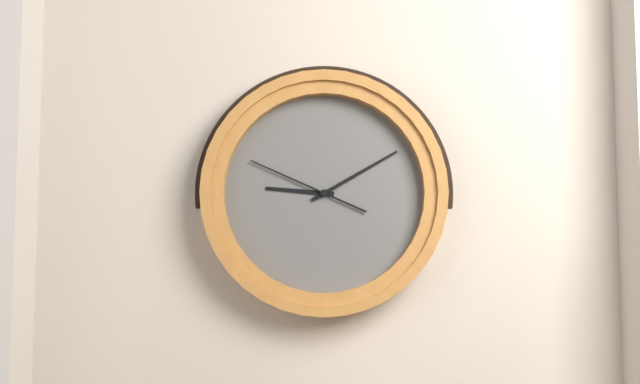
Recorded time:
9,10,49
